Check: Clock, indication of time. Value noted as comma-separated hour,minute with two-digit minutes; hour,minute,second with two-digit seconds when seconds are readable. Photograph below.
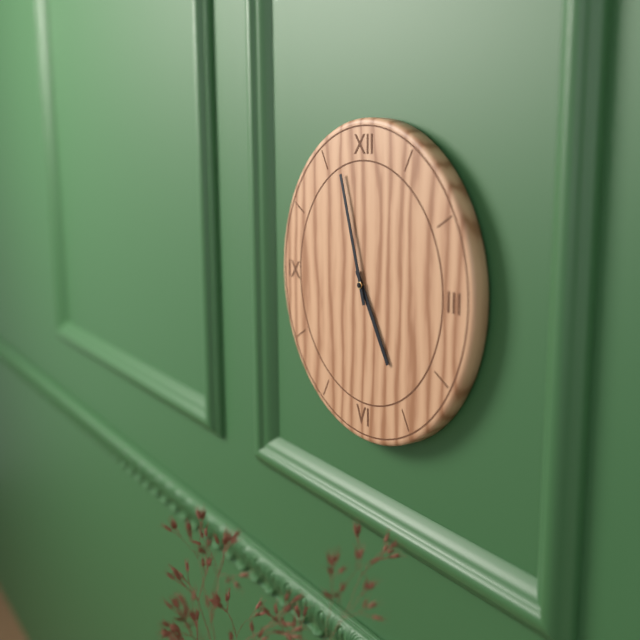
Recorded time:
4,57
